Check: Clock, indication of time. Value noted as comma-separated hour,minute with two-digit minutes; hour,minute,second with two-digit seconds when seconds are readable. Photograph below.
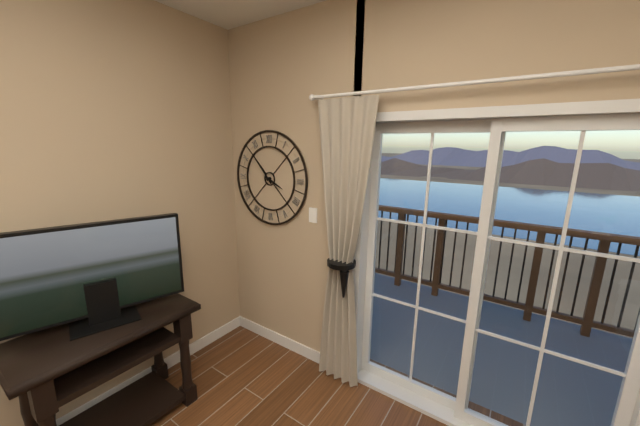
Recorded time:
3,53
